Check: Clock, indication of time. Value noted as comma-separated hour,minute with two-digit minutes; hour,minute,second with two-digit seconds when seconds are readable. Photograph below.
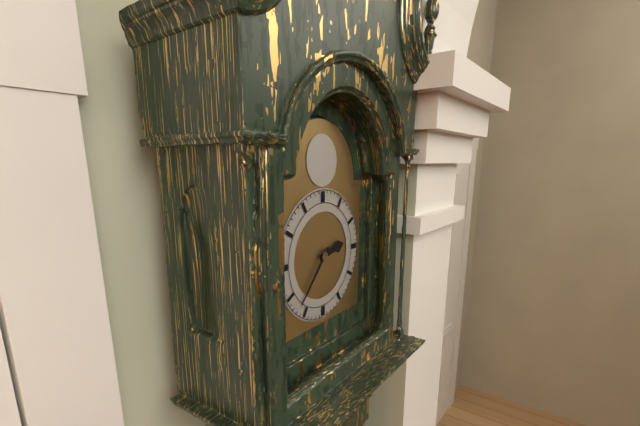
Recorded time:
2,37
